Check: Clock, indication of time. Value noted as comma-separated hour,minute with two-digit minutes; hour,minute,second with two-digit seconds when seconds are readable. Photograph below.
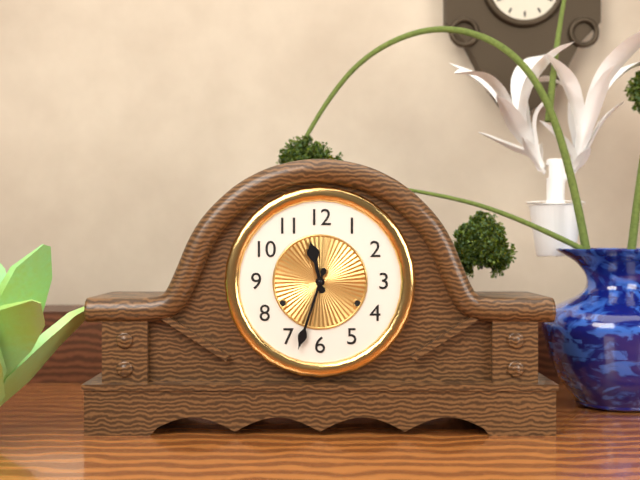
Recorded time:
11,33
